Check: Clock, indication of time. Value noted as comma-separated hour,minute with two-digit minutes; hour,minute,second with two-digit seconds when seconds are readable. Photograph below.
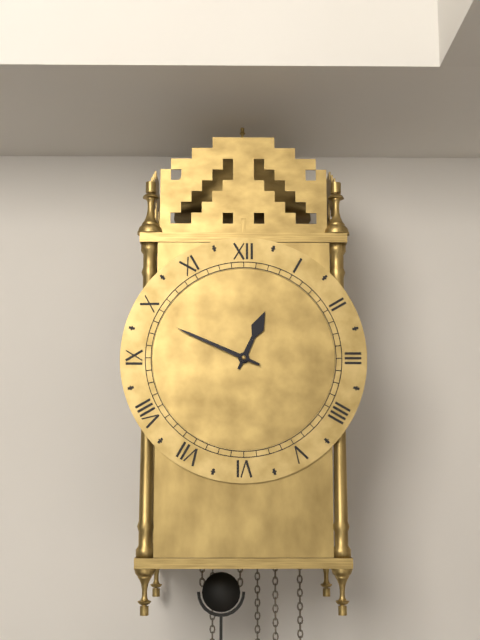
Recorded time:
12,49
